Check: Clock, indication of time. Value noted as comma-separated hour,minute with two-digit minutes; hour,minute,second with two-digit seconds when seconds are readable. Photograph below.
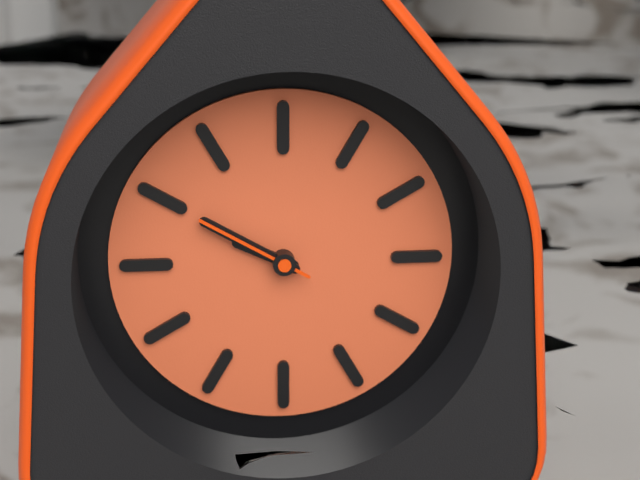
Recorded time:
9,50,50
